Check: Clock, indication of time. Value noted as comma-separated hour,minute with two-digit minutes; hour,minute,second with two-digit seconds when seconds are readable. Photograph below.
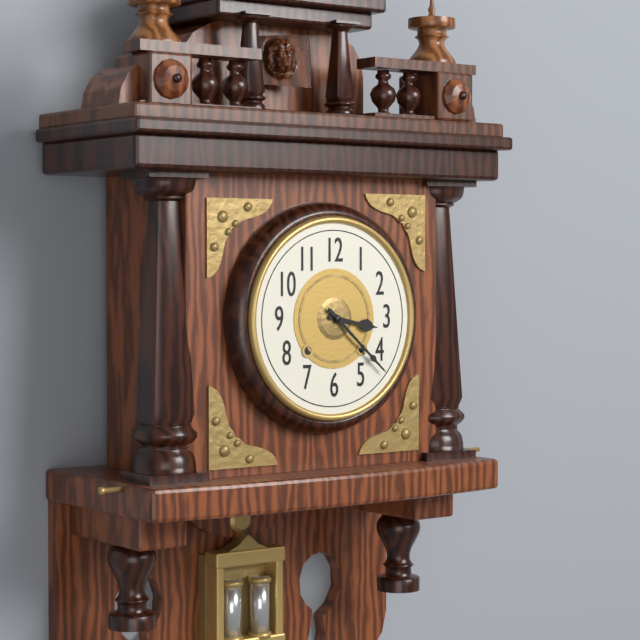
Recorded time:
3,22
